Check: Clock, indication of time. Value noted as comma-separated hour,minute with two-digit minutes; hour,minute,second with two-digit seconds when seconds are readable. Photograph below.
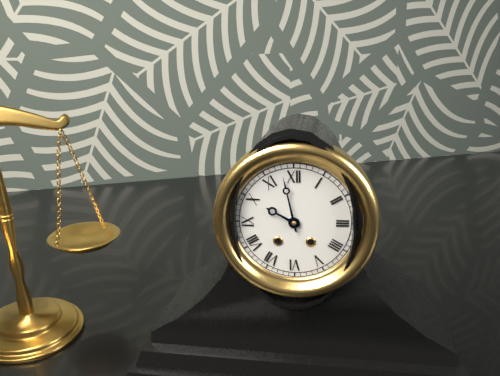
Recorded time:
9,58
